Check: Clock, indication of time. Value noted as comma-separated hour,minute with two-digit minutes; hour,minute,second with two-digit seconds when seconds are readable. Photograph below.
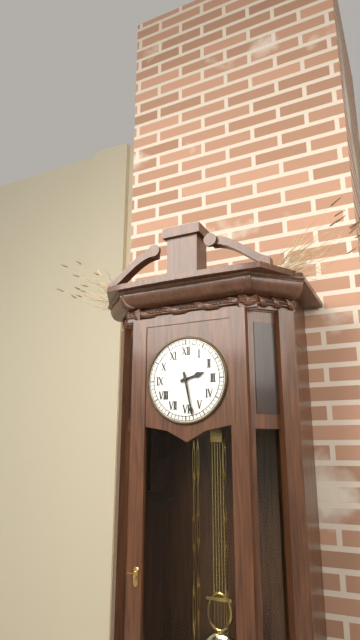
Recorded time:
2,28
